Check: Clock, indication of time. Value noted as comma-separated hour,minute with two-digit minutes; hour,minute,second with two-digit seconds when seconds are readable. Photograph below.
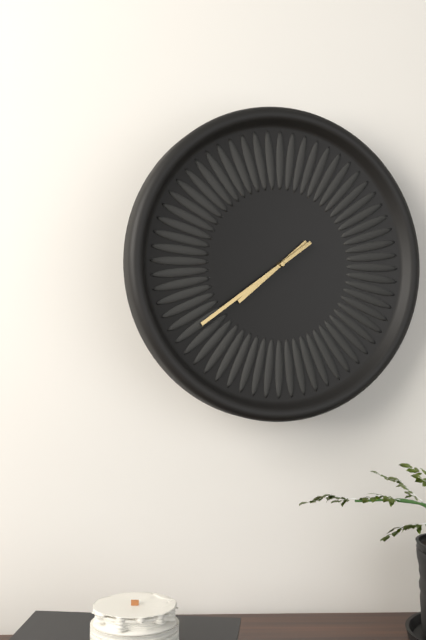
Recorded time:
7,39
